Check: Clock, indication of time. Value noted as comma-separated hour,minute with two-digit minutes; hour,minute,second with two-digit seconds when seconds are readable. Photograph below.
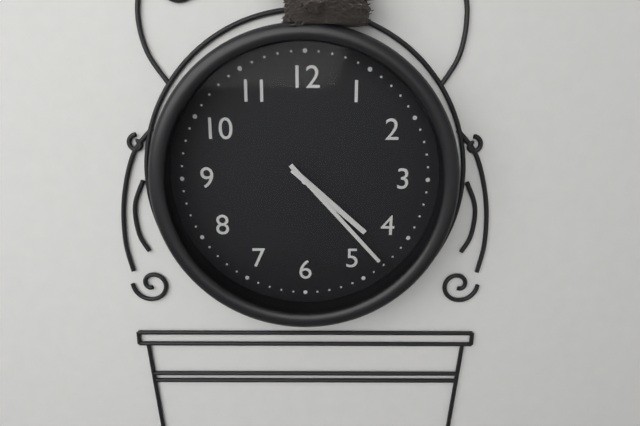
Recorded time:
4,23
